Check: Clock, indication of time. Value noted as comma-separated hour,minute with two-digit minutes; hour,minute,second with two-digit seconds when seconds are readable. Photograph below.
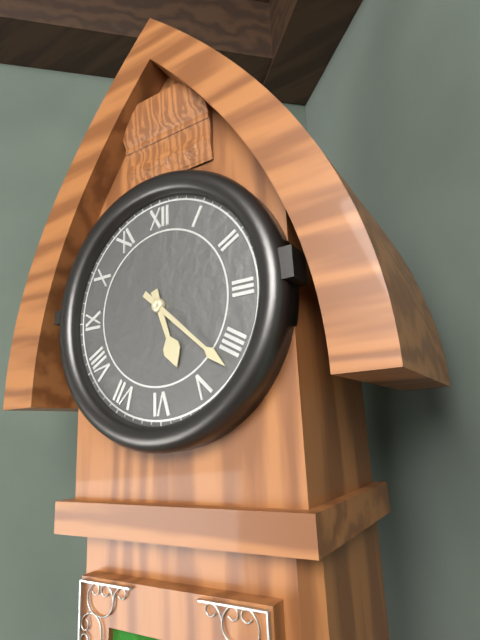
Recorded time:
5,22
